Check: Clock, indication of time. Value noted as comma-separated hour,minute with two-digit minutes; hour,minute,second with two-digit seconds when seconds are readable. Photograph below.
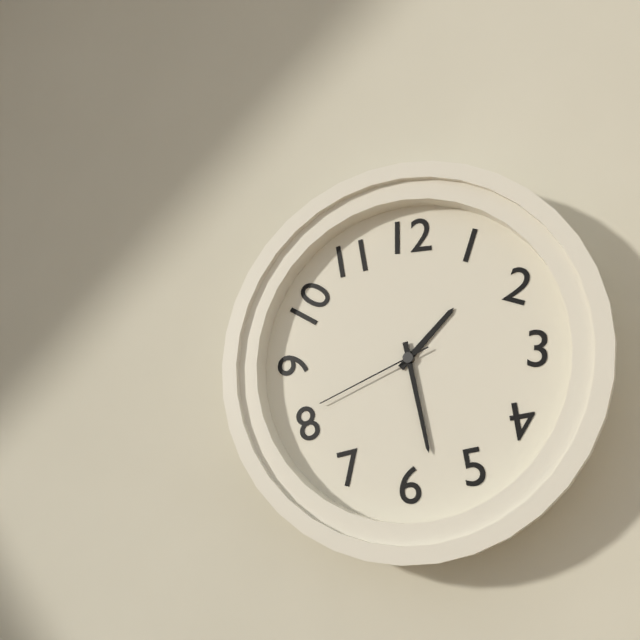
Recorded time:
1,28,41
